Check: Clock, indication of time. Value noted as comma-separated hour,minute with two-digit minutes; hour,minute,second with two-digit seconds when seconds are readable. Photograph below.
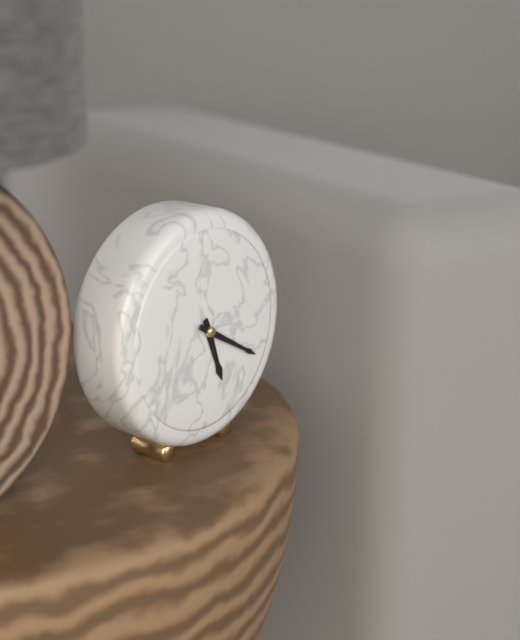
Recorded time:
5,20
